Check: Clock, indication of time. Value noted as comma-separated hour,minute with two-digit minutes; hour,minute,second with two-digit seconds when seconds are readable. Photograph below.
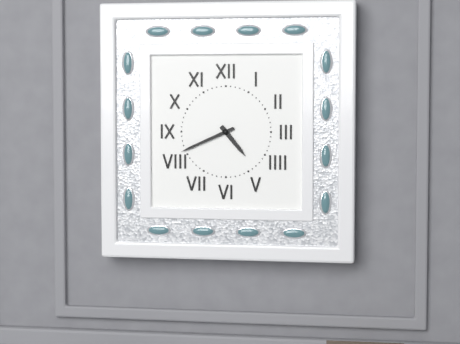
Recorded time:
4,41
